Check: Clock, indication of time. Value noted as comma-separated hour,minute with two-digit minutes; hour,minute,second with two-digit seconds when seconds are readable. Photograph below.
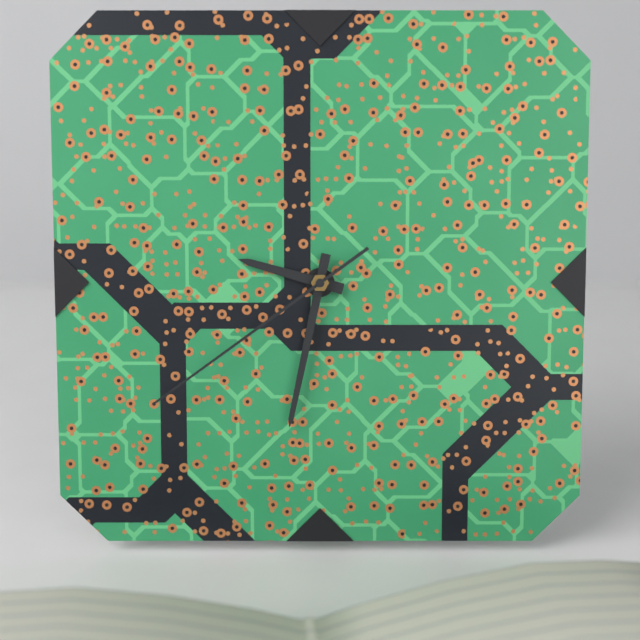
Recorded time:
9,32,39
